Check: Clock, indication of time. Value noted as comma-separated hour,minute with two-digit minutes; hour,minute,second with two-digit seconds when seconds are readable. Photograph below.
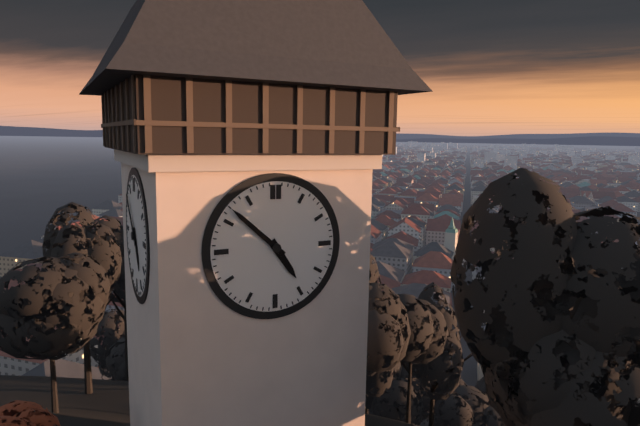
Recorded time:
4,52
